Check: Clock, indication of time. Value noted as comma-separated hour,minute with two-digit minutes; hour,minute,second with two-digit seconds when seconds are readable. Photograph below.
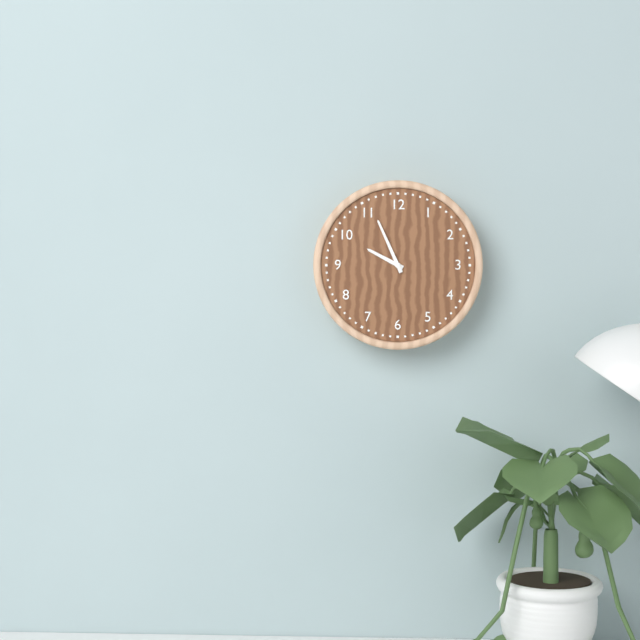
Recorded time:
9,56
